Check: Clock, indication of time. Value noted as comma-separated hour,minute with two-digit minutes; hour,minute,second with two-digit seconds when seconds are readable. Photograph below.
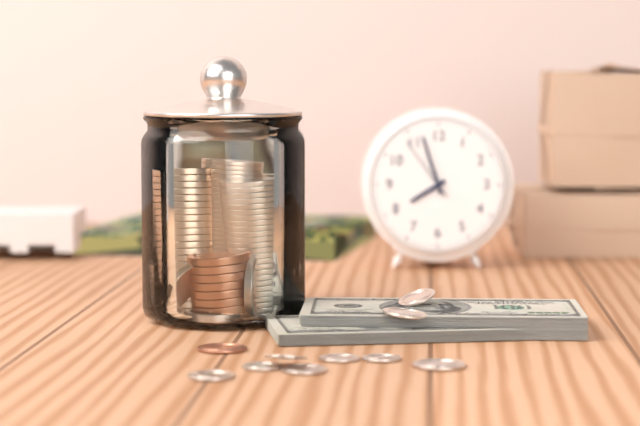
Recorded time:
7,57,54
